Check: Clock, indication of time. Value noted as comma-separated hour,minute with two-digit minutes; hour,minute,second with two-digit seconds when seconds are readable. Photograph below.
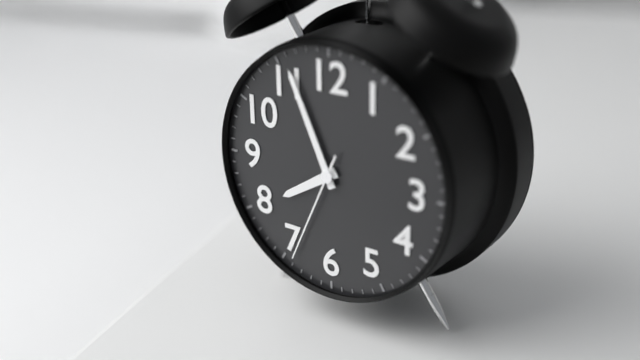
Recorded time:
7,56,34
